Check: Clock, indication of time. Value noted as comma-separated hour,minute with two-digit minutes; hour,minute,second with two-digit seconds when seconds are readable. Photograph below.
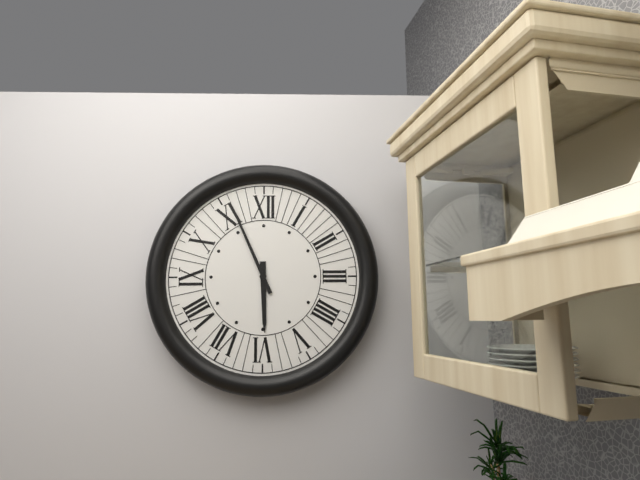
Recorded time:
5,56
